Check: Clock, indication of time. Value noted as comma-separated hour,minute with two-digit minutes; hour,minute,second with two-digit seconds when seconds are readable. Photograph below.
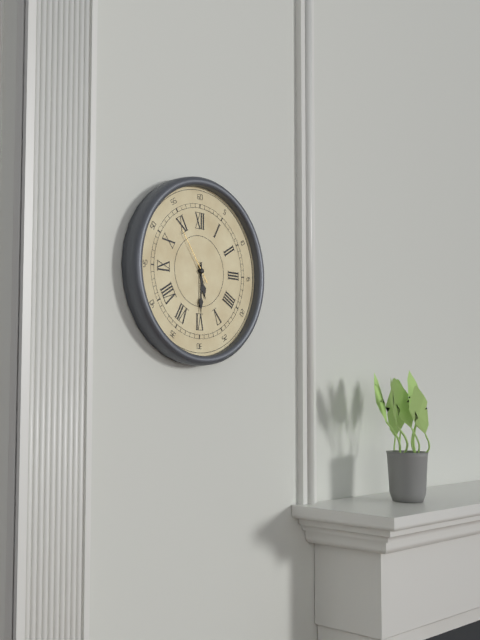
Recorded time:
5,30,54
